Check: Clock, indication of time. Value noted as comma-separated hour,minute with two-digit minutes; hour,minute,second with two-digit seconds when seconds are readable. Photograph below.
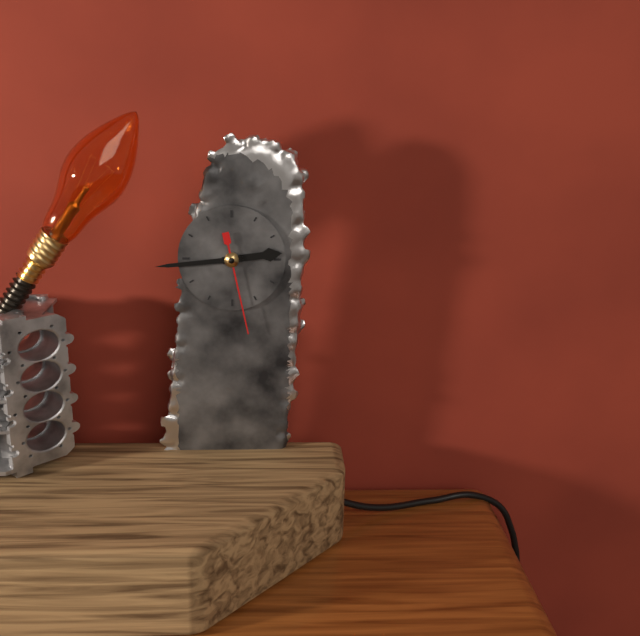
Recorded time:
2,44,28
